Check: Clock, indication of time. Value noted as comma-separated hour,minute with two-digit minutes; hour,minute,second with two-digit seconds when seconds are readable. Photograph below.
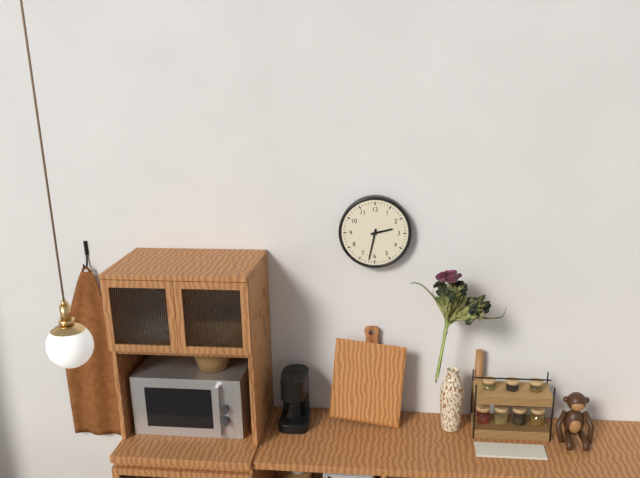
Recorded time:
2,32
